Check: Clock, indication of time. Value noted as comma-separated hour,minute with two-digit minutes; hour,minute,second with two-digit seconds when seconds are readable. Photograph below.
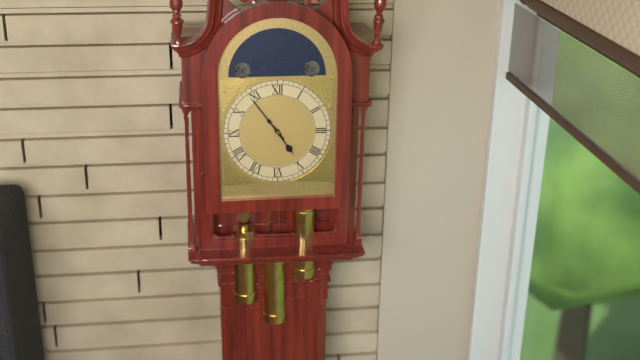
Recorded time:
4,54
